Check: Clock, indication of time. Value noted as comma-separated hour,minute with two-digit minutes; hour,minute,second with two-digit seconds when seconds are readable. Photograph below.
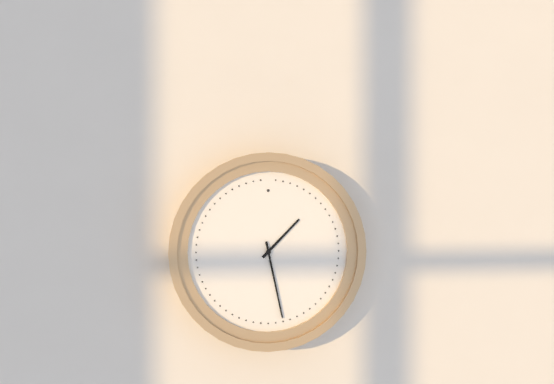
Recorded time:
1,28
